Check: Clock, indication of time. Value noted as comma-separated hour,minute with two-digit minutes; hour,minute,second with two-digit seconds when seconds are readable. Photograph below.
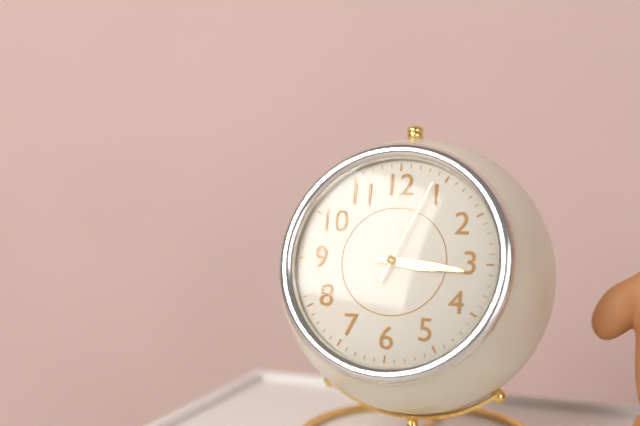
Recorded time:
3,16,04
